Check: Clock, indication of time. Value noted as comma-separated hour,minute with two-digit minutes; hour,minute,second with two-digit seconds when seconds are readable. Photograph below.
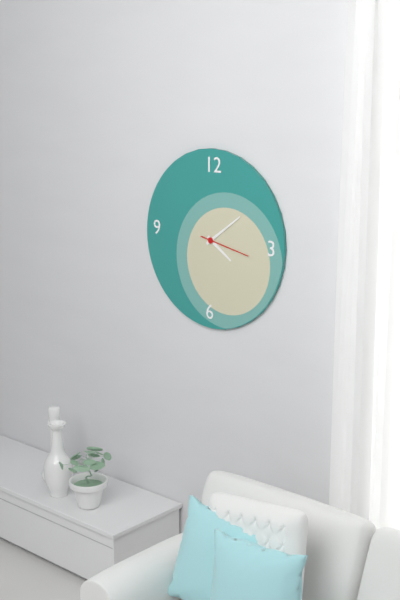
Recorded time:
4,09
